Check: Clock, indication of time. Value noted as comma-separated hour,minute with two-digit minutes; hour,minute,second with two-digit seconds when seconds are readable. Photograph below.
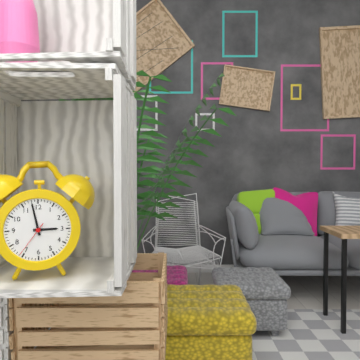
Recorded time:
2,58
